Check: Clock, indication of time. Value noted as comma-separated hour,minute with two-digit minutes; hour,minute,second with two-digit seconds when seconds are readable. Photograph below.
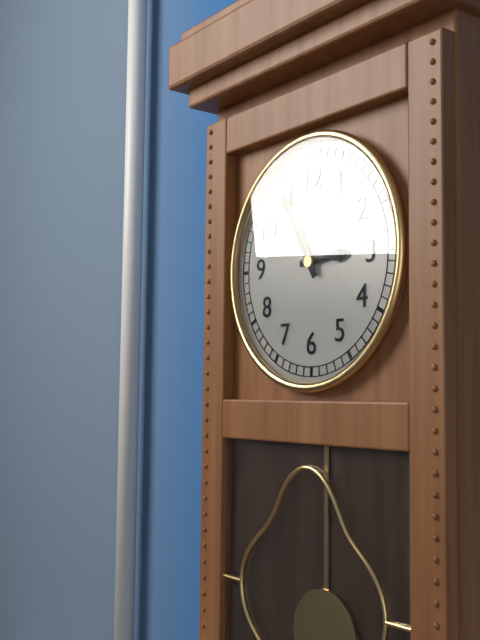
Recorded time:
2,55
